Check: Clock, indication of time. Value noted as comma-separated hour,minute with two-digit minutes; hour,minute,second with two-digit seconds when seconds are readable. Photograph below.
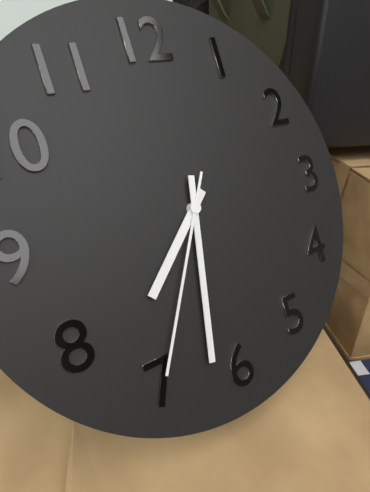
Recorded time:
7,32,35
